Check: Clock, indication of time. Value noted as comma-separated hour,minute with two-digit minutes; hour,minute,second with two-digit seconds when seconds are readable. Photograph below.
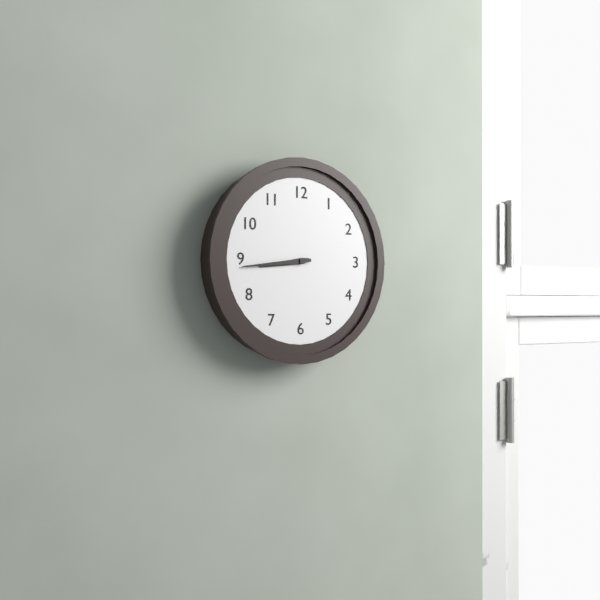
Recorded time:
8,44
